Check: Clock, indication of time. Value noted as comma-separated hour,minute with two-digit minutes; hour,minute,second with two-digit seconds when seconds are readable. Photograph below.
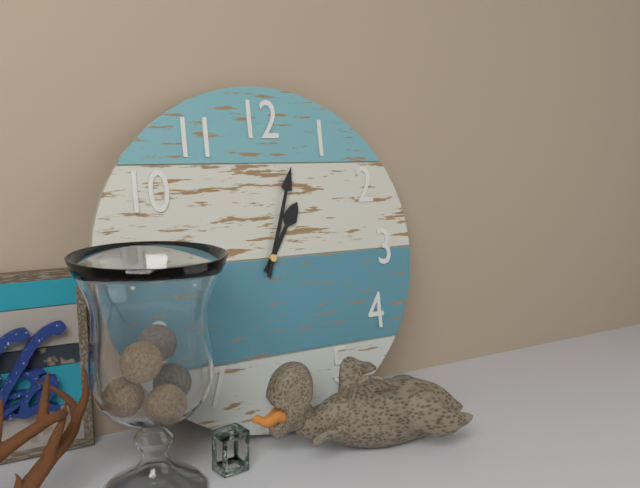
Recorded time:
1,03
